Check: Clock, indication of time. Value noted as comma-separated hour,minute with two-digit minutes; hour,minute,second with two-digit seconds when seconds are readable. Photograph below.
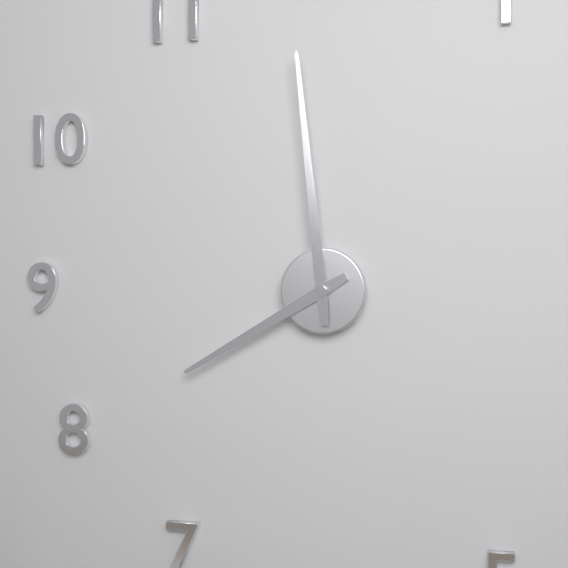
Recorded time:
7,59
